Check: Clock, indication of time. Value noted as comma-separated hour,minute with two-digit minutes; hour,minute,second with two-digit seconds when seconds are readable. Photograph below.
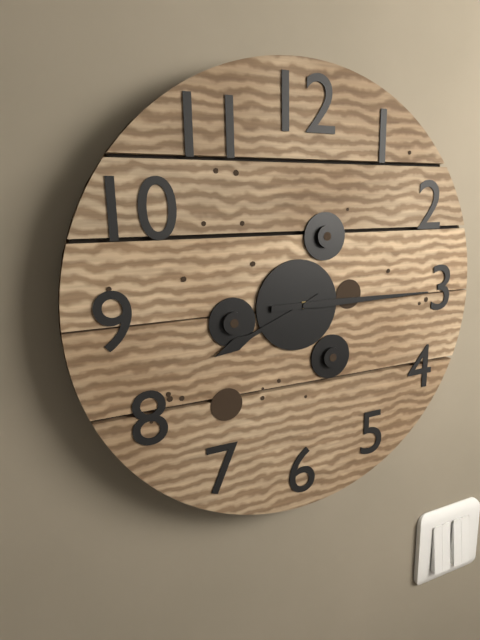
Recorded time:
8,15
